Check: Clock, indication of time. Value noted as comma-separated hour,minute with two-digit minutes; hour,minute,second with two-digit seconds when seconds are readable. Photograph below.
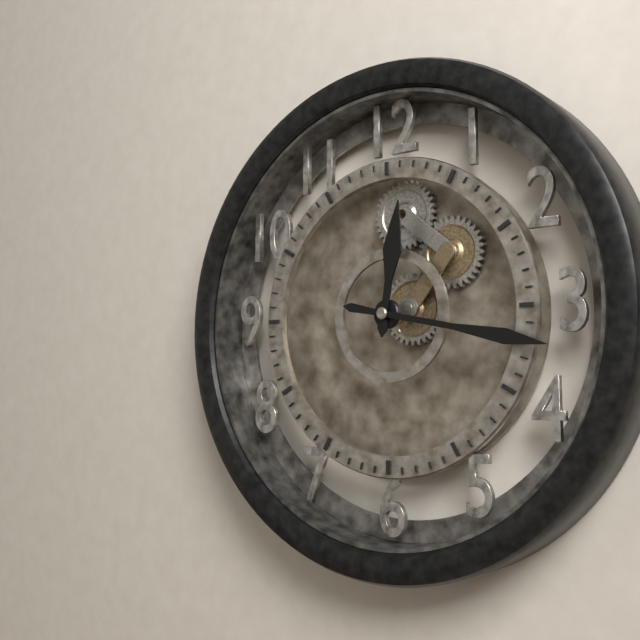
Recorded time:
12,17
